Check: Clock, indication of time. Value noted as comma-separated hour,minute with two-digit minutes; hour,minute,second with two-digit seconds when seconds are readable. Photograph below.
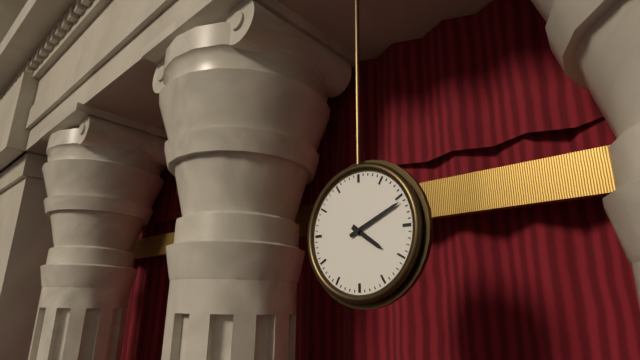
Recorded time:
4,11
